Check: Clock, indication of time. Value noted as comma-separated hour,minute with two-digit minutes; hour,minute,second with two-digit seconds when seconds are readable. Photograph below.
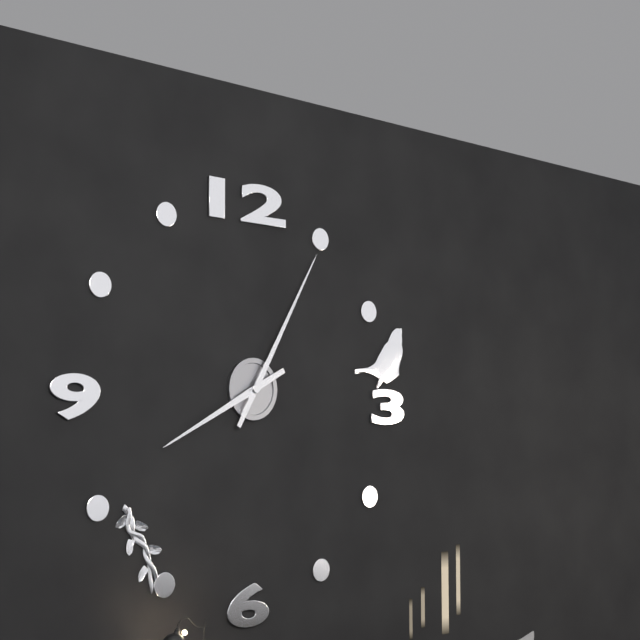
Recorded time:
8,05
